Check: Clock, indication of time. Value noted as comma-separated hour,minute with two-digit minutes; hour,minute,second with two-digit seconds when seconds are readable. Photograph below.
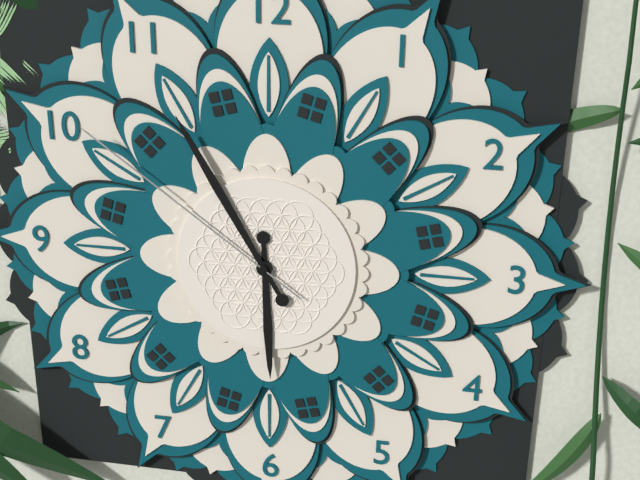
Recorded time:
5,55,51
